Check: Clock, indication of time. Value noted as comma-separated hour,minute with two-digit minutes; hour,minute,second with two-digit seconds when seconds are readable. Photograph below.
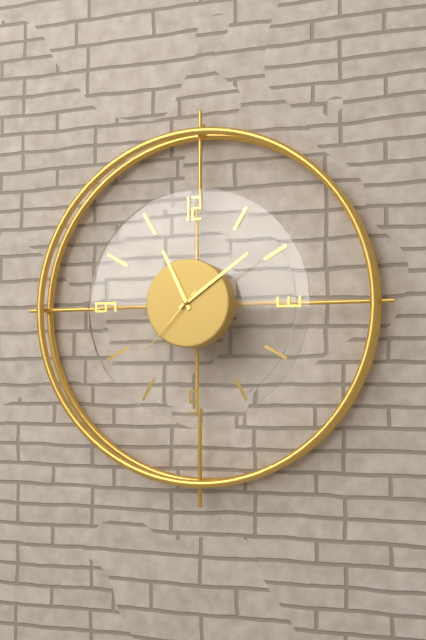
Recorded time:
11,09,37
